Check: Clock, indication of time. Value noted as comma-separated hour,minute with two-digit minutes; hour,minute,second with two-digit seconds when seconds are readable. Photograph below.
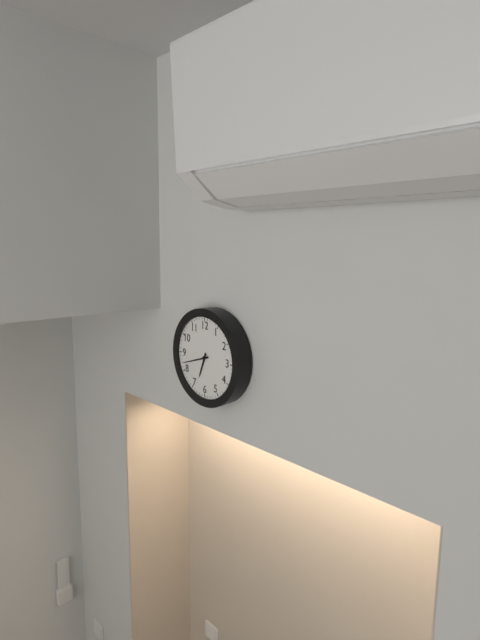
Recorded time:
6,42
